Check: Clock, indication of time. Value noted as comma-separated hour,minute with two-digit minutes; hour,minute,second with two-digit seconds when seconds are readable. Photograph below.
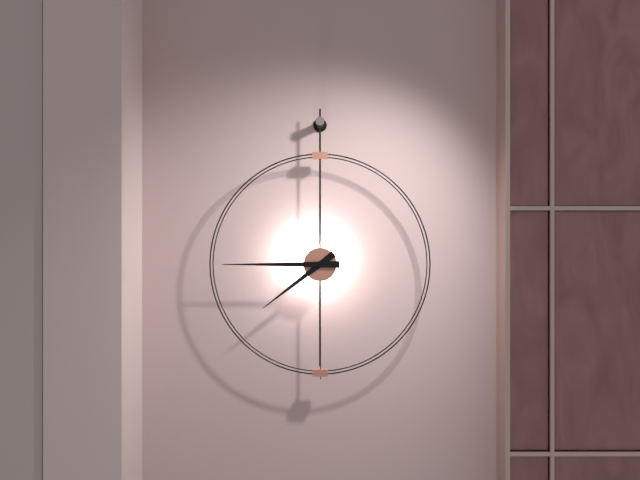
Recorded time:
7,45
